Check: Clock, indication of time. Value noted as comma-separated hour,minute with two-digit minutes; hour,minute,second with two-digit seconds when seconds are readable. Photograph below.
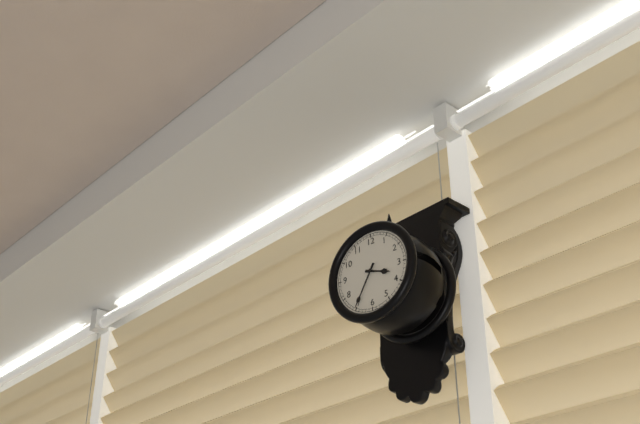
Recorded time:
3,35
